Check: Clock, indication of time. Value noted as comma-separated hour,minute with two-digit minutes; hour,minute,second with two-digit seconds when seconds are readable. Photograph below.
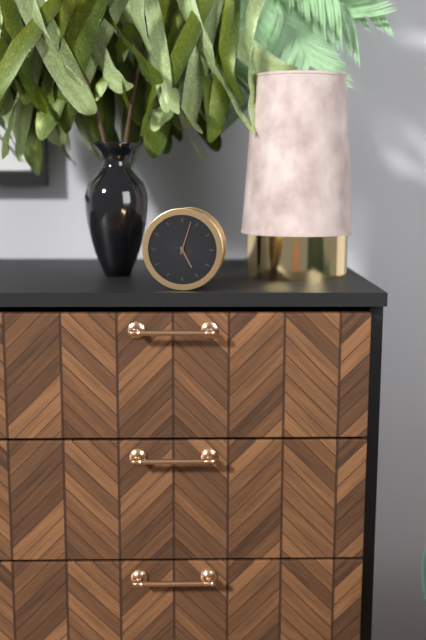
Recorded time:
5,03
